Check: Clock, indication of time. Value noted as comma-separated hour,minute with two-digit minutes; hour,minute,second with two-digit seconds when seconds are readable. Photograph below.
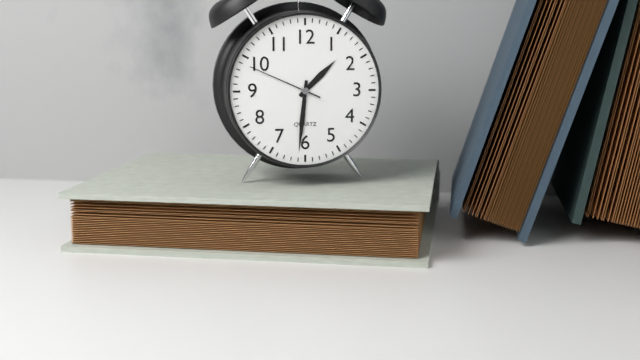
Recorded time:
1,31,49
